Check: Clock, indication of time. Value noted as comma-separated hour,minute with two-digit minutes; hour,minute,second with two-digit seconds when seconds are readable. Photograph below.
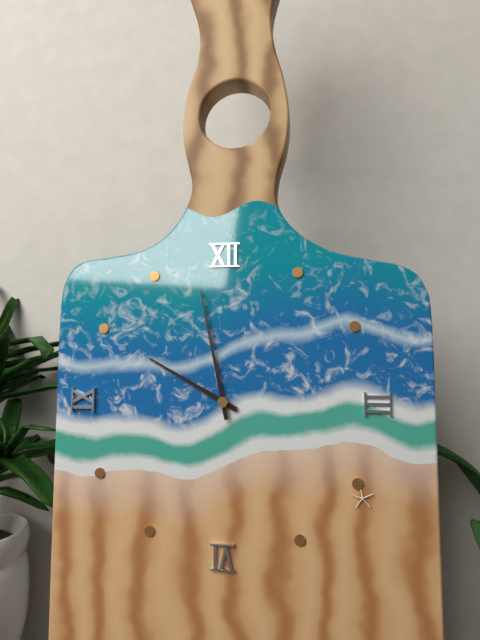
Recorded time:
9,58
